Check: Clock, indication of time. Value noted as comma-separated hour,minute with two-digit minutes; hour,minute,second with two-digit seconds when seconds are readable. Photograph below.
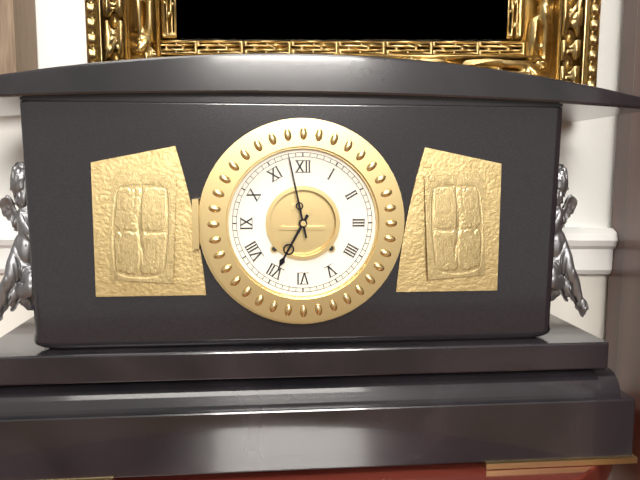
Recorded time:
6,58
